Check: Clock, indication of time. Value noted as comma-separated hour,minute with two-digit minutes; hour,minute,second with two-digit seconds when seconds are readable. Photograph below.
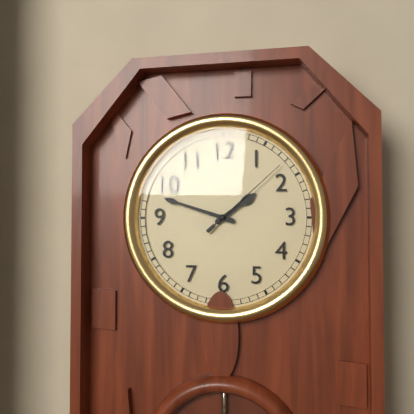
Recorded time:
1,48,08
